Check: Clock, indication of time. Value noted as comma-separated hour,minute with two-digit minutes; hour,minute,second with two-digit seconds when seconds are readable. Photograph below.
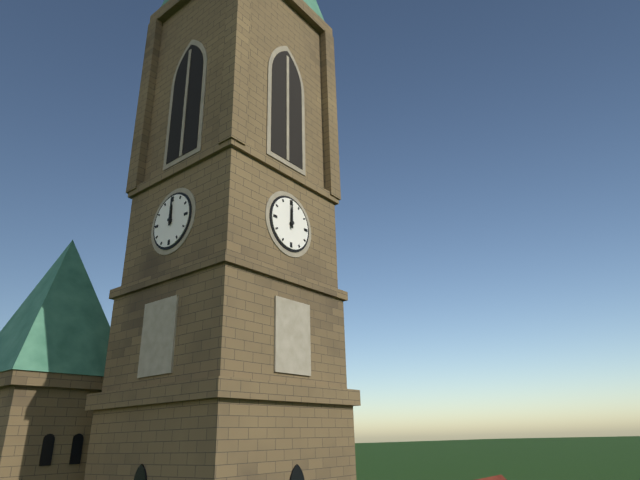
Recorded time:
12,00
